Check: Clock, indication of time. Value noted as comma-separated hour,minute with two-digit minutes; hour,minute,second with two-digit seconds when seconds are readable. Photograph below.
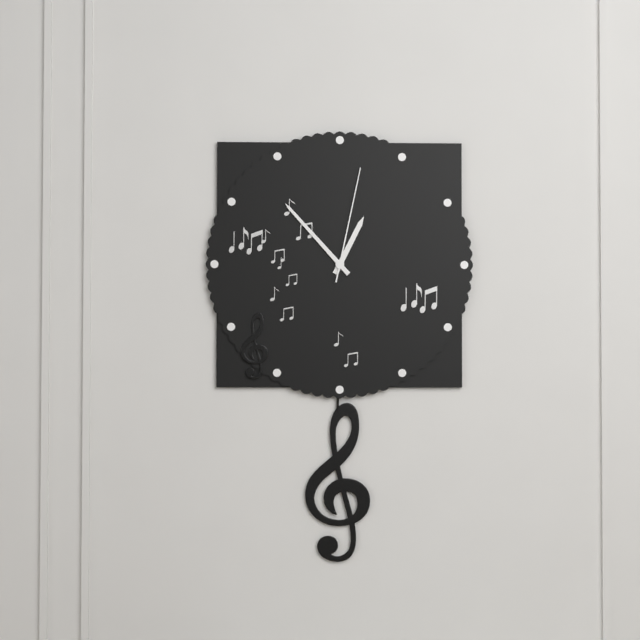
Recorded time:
12,53,02
